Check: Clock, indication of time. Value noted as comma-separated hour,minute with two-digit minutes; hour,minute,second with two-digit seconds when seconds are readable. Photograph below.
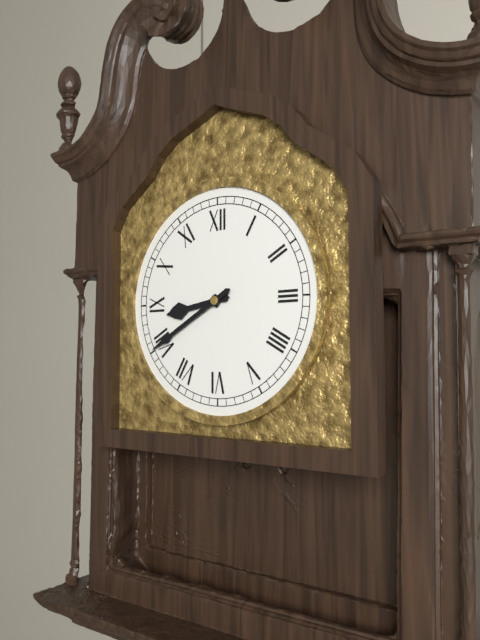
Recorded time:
8,40
